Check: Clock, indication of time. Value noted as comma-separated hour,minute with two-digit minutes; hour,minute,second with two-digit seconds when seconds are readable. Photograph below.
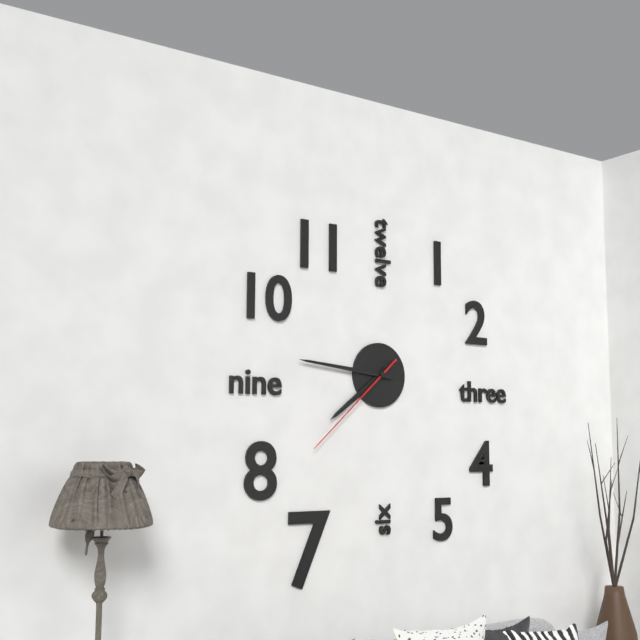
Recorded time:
7,46,38
